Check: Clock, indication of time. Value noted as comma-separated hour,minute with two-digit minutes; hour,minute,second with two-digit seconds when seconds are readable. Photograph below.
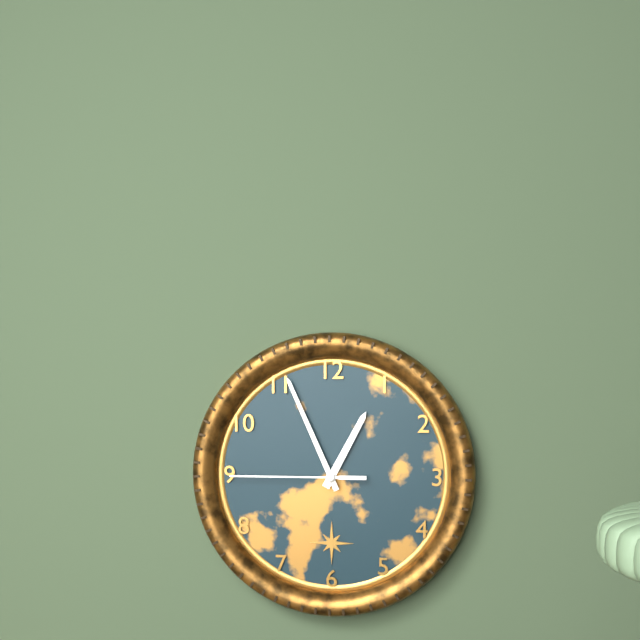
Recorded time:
12,56,45
